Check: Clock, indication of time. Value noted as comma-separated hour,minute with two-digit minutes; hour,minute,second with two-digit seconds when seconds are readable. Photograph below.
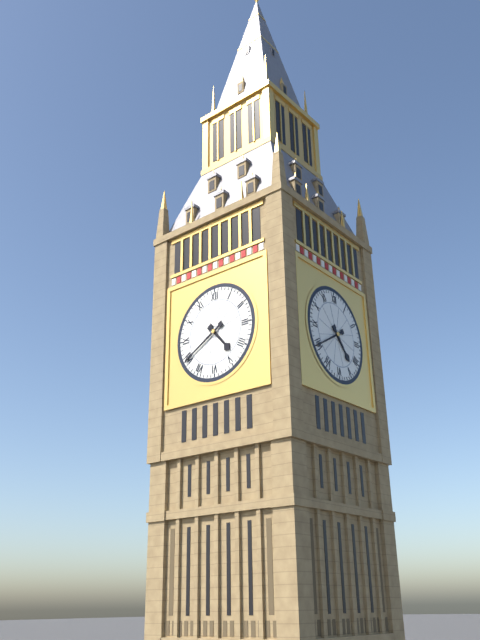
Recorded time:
4,40
